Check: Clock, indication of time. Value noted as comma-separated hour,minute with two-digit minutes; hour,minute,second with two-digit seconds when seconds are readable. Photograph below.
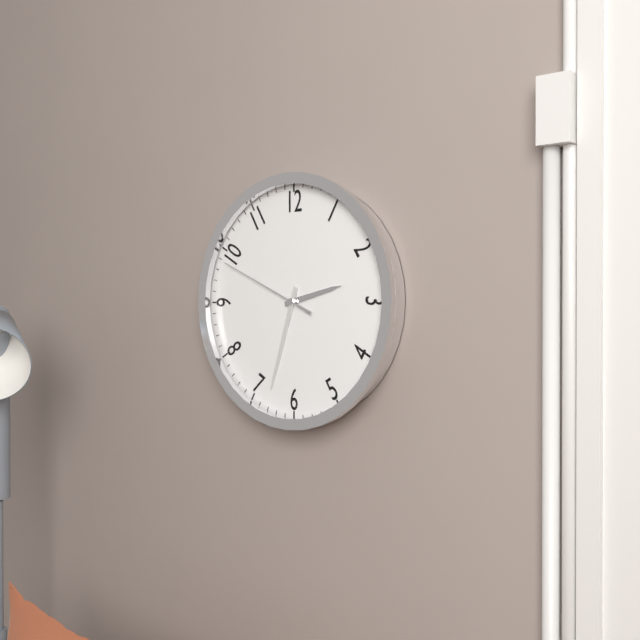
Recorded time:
2,33,49
